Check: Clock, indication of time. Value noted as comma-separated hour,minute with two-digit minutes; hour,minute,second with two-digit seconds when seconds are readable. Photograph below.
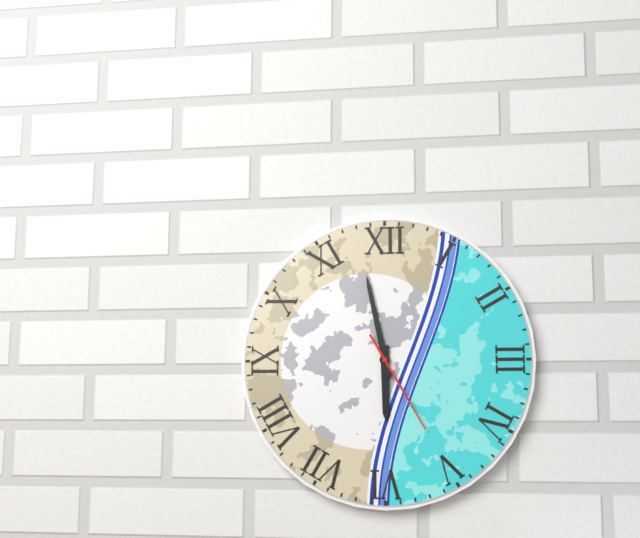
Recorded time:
5,58,25
